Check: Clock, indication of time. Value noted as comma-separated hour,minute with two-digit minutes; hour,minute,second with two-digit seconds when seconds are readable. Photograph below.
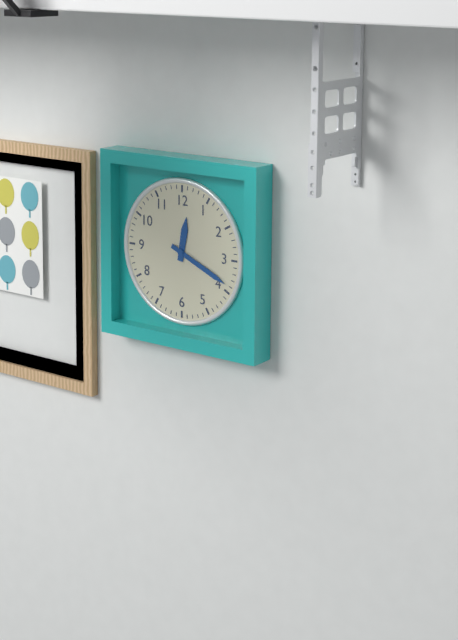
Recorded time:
12,19
